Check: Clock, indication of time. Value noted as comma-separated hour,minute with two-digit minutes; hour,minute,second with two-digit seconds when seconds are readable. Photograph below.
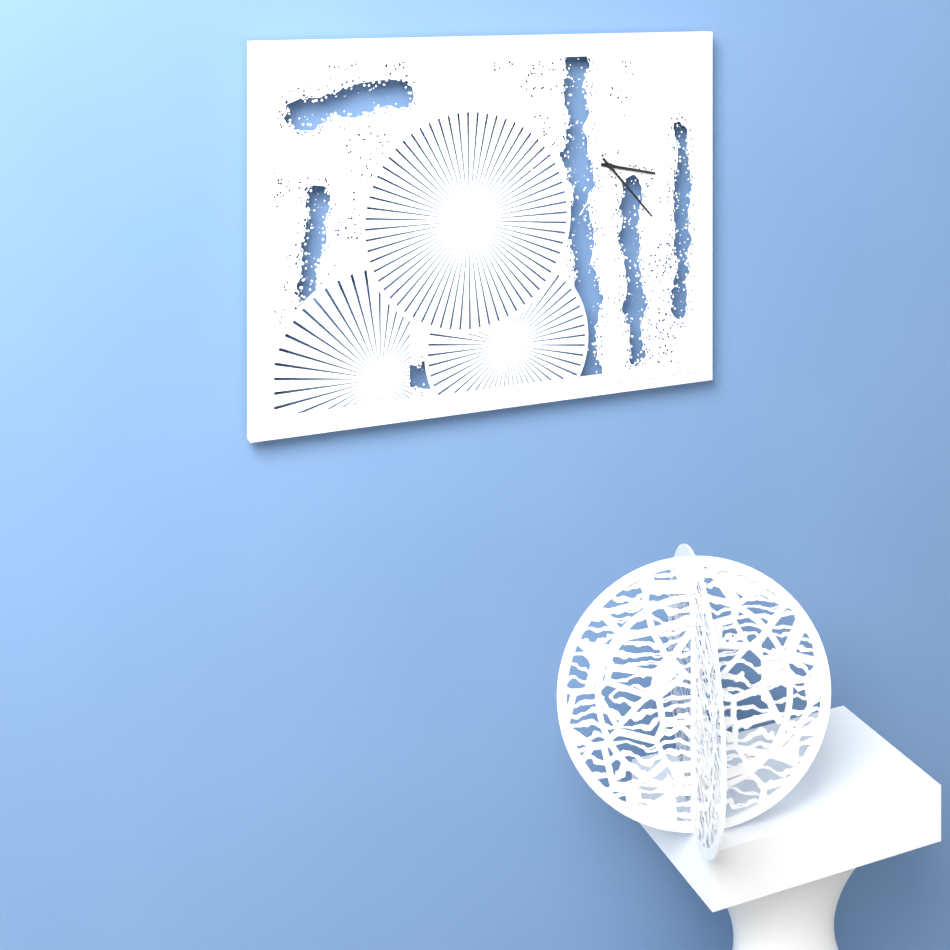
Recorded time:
3,23,36
